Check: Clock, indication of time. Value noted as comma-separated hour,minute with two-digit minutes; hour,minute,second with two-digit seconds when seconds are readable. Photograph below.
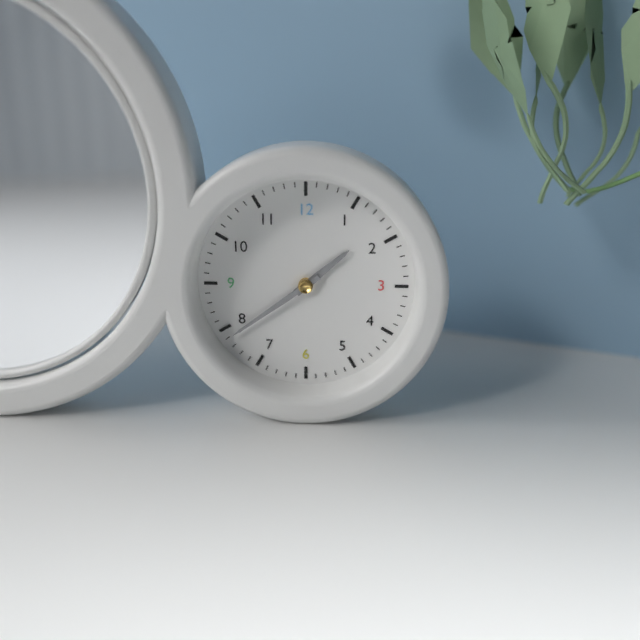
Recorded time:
1,39
